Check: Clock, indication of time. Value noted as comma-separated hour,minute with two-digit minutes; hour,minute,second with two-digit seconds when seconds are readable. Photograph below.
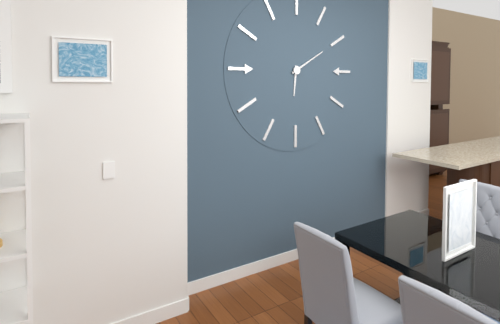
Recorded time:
6,10
